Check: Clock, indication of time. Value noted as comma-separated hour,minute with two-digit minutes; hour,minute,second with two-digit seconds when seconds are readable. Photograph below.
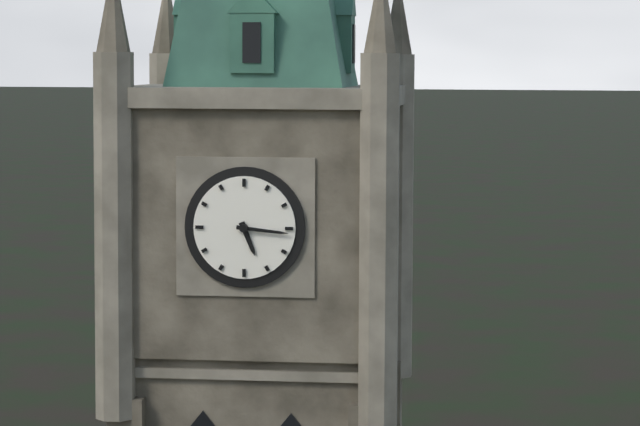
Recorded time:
5,16
